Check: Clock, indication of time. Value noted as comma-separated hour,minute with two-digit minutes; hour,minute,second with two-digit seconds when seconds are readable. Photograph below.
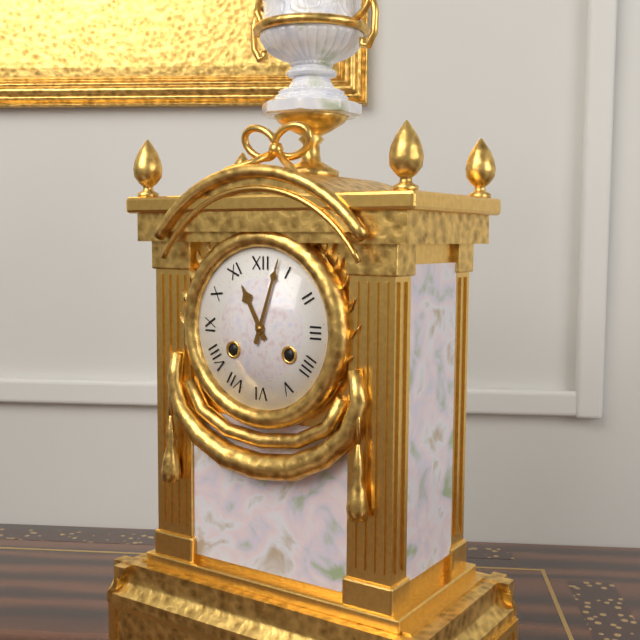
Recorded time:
11,03
